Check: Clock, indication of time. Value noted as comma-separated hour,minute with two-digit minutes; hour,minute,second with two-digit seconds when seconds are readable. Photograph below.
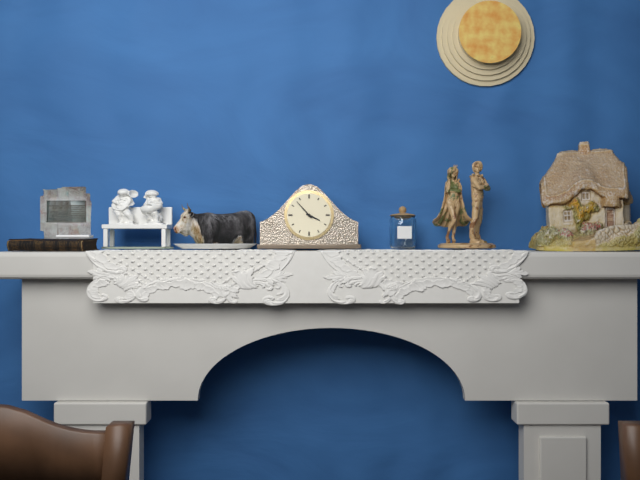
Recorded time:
3,53
